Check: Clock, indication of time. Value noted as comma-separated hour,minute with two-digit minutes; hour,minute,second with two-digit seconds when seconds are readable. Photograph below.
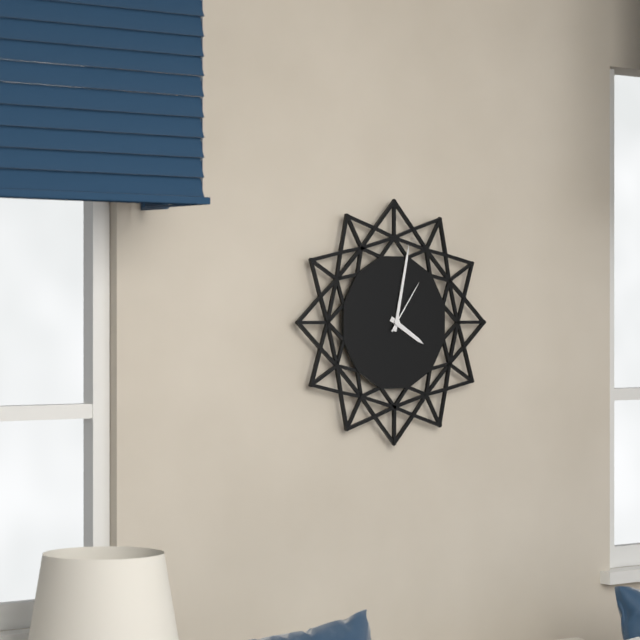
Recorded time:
4,02,06
